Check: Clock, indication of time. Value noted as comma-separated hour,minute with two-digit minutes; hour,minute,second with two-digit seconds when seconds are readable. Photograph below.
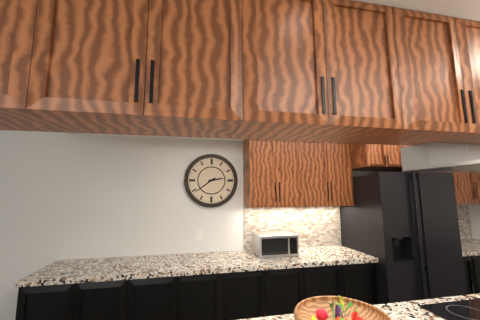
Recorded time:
2,39
